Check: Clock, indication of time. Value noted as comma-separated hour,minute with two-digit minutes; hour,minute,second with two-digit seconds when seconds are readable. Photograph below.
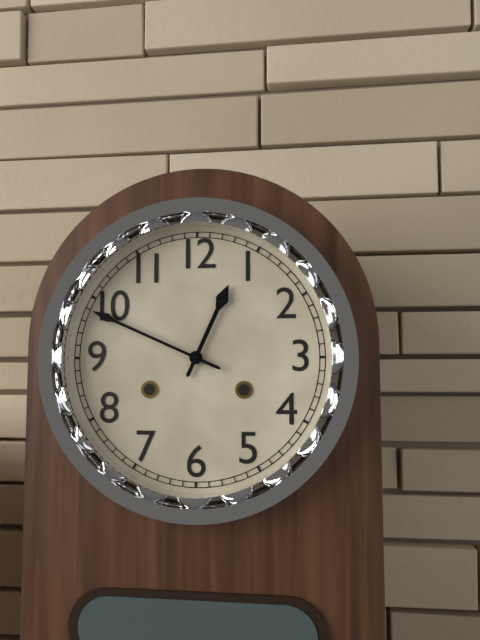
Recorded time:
12,49
